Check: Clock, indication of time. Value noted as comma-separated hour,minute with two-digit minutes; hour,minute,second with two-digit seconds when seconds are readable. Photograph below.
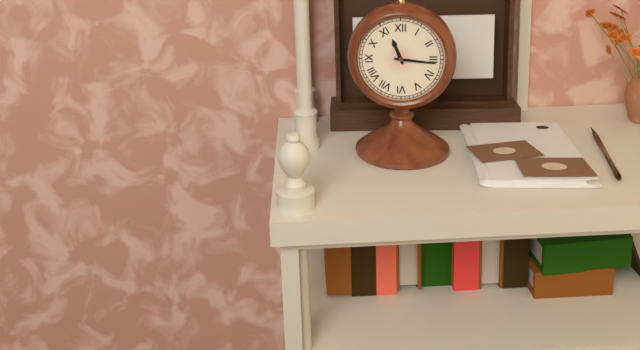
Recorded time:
11,16
